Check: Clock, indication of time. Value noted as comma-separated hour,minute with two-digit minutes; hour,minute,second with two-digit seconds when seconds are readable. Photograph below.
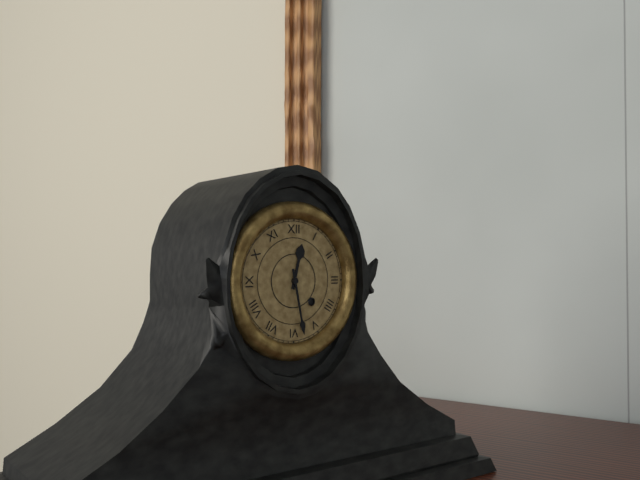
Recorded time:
12,28
